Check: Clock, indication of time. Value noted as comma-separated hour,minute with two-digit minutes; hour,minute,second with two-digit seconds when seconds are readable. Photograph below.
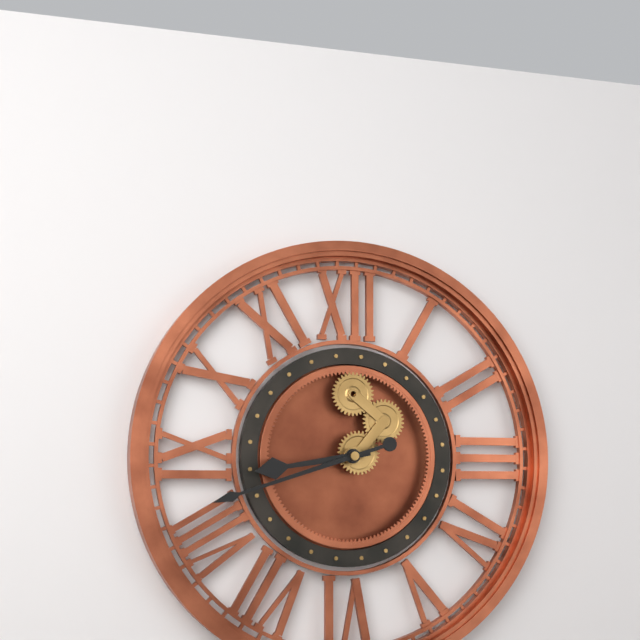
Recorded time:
8,42
